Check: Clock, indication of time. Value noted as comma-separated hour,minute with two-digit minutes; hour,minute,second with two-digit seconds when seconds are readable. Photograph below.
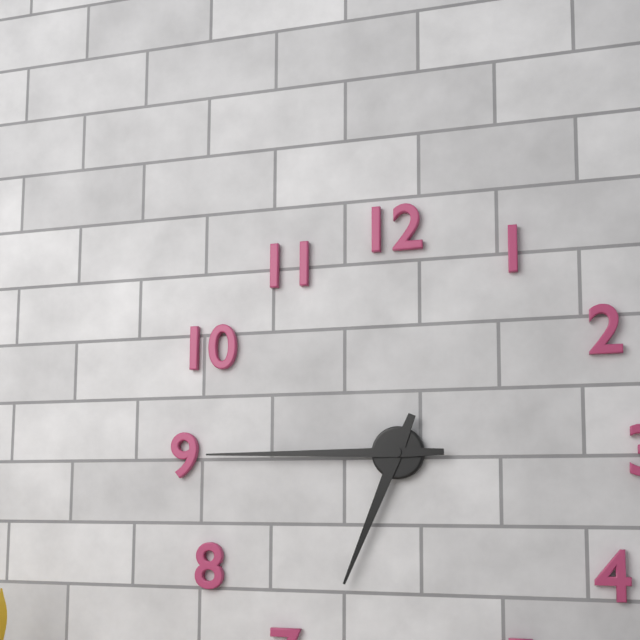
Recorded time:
6,45
